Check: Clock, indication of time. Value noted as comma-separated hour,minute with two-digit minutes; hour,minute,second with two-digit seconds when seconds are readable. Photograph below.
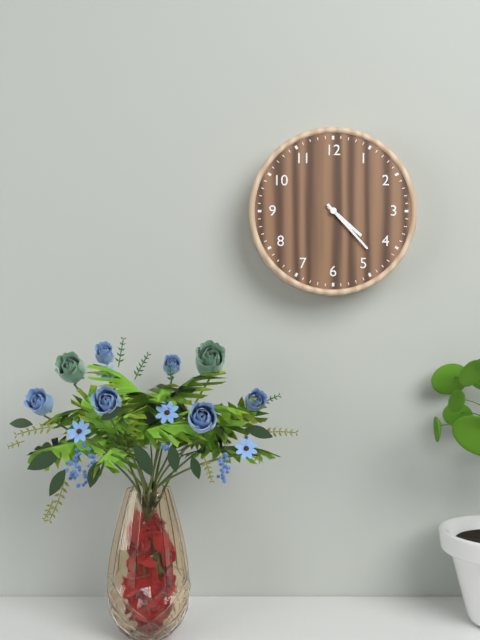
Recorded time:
4,23
